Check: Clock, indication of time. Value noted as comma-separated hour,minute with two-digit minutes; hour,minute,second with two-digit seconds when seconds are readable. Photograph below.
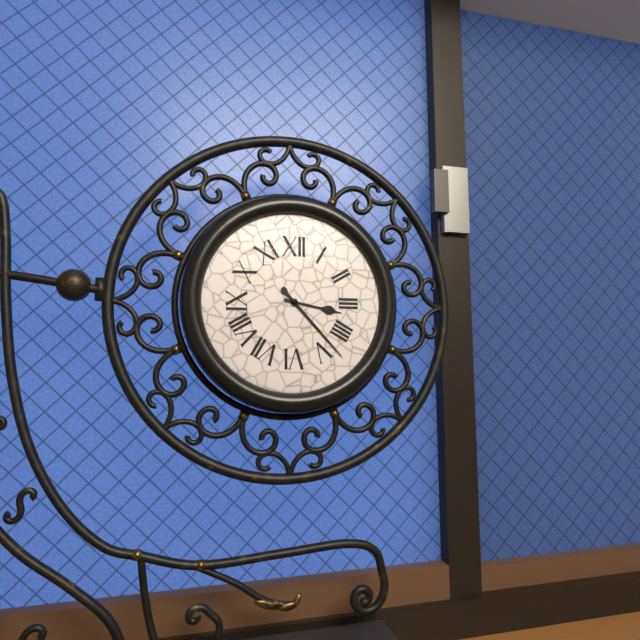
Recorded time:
3,23
